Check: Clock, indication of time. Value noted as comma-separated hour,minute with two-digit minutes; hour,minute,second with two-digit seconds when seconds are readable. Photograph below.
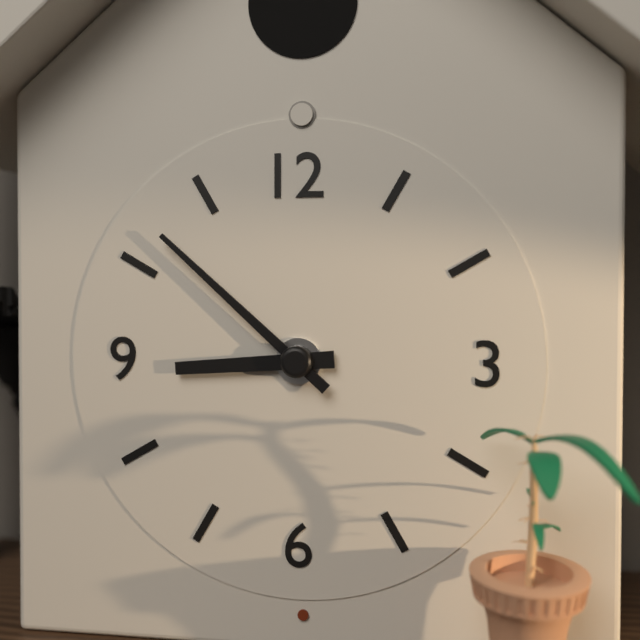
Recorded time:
8,52
